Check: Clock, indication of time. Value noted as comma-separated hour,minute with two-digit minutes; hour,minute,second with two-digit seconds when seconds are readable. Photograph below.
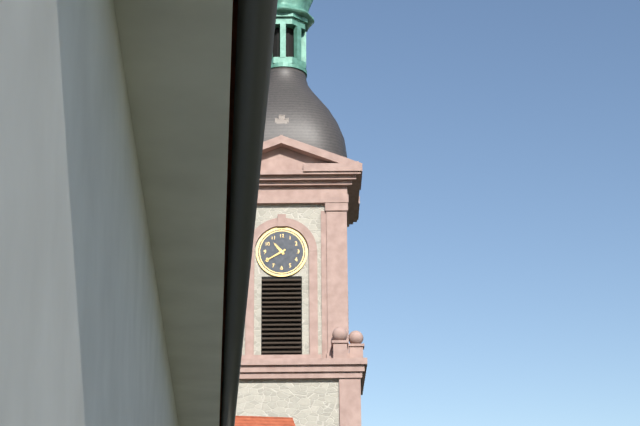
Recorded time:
10,40
